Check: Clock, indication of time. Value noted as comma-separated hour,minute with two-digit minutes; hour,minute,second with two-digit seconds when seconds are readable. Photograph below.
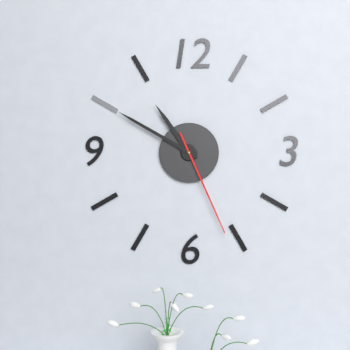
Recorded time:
10,50,26
